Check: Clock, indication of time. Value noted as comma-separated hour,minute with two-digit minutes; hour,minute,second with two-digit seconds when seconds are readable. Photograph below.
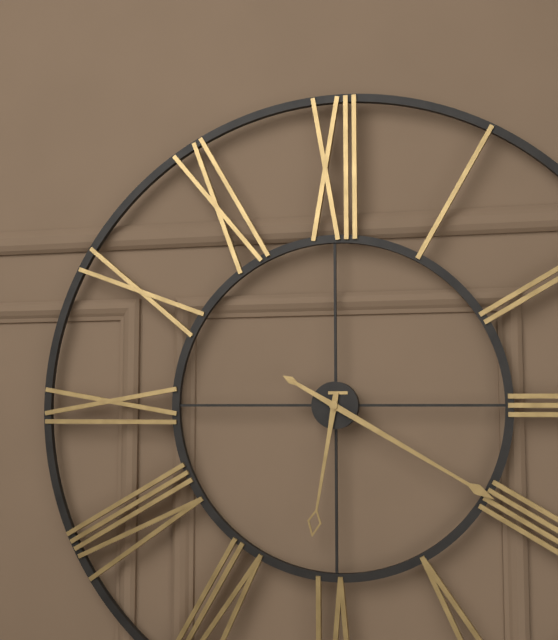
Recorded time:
6,20
